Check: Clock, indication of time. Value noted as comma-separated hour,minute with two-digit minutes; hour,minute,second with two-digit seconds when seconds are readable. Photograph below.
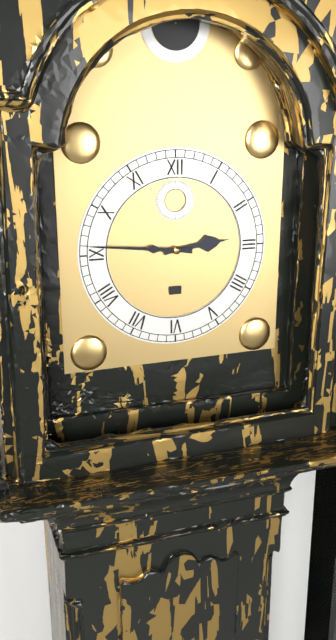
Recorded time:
2,46
